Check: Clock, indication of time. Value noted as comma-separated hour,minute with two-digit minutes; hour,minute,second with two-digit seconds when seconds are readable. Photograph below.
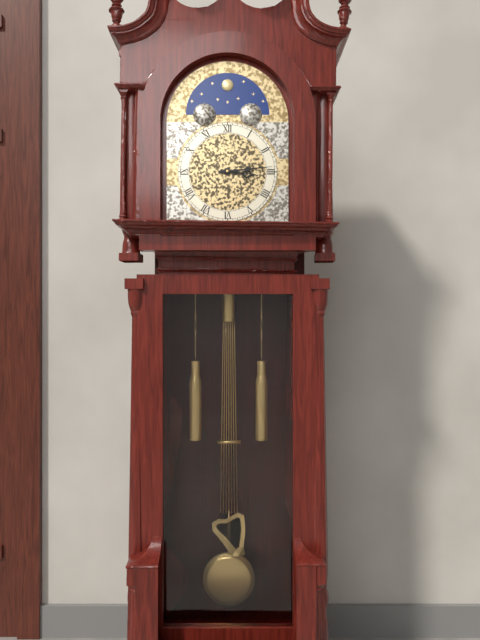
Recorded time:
3,14
